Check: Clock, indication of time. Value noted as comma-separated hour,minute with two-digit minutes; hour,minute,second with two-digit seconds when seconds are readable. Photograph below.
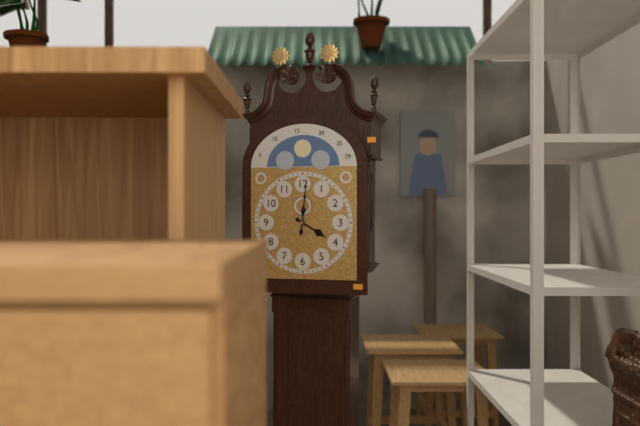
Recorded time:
4,01
